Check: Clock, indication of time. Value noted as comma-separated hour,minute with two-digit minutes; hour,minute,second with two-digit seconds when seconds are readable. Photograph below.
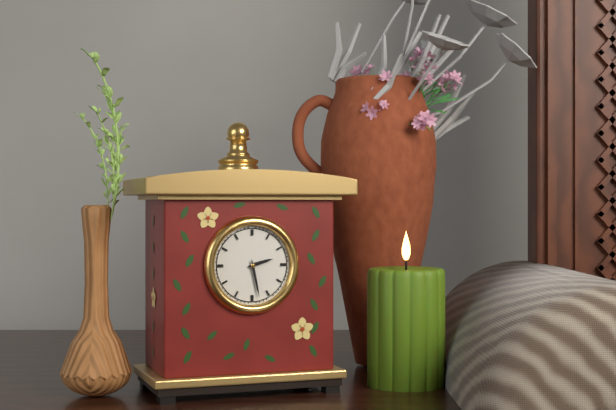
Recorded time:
2,28
